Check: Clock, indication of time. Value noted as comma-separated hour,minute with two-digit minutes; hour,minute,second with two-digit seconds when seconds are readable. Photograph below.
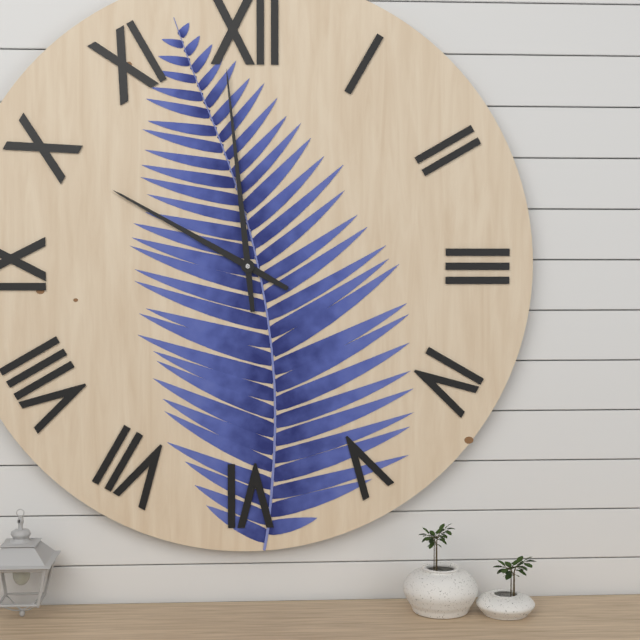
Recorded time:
9,59
